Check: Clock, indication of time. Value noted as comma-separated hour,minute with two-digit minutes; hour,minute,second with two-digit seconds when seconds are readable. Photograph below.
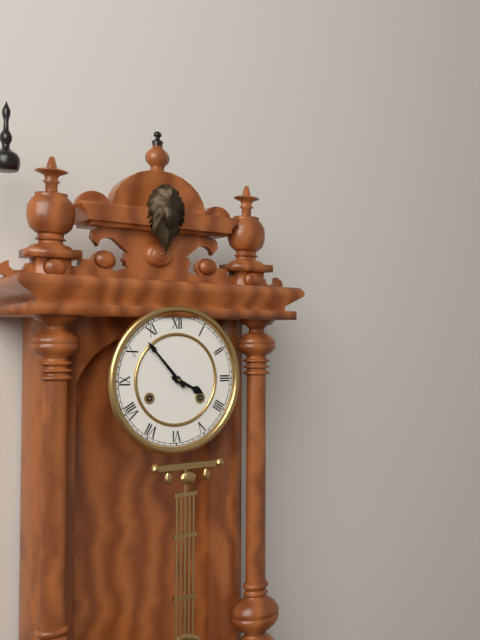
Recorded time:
3,53
